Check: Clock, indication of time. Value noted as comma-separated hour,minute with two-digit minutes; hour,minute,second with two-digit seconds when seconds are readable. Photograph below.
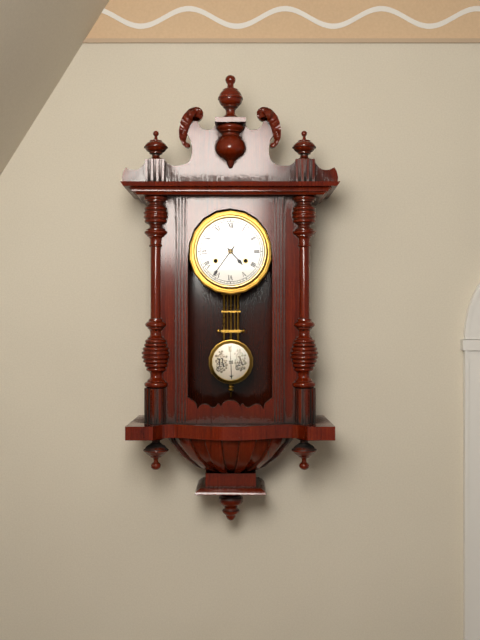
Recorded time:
4,36
